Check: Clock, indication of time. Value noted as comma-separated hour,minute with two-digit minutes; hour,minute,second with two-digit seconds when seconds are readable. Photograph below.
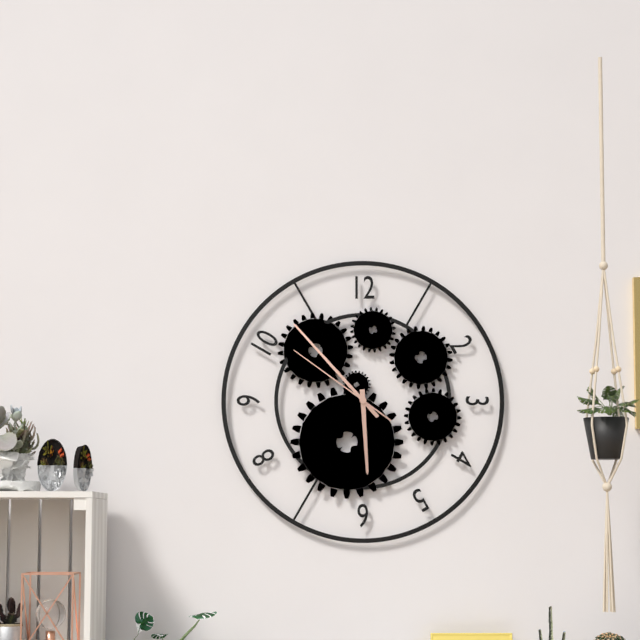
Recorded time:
5,53,51
